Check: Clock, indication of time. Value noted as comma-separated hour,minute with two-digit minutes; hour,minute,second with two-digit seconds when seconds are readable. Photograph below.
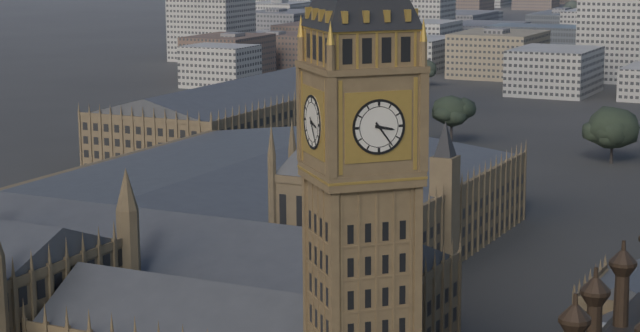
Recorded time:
3,24
